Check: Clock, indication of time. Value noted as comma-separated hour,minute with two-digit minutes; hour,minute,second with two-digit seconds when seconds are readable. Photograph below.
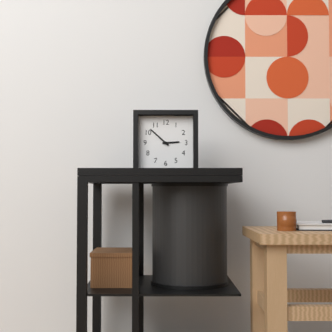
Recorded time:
2,52
